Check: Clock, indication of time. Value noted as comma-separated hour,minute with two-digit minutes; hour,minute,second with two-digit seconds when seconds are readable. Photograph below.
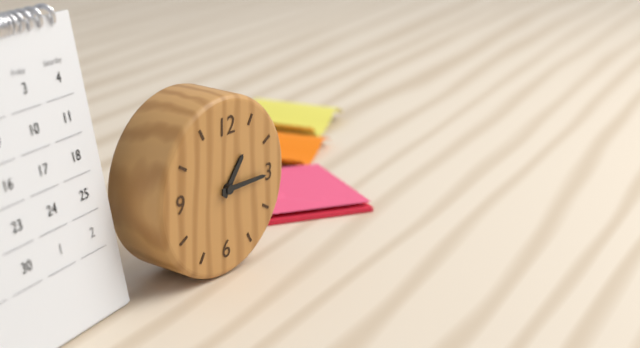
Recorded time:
1,15
